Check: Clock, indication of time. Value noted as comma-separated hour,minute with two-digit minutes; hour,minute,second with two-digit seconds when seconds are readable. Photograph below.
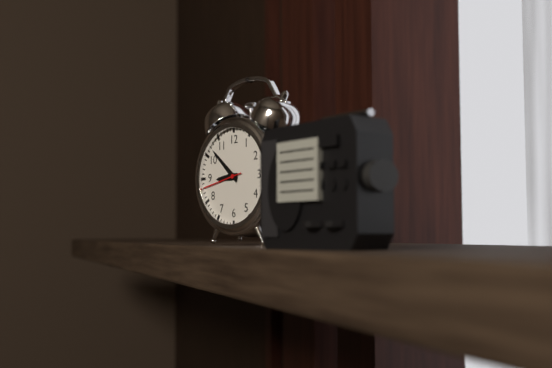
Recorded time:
8,52,43
